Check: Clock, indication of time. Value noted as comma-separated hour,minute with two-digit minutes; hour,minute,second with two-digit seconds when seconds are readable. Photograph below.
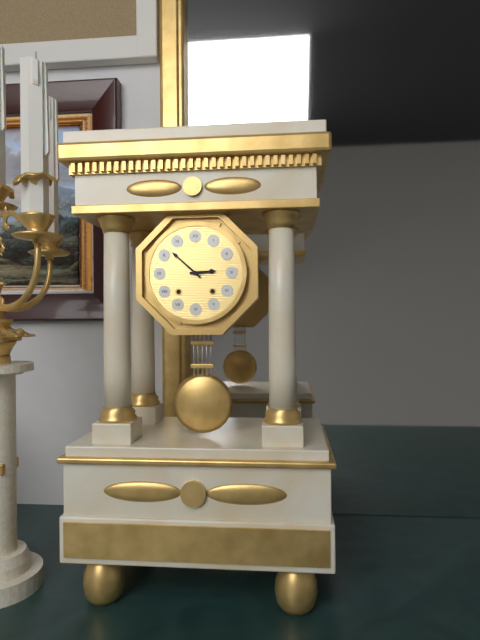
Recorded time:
2,52
